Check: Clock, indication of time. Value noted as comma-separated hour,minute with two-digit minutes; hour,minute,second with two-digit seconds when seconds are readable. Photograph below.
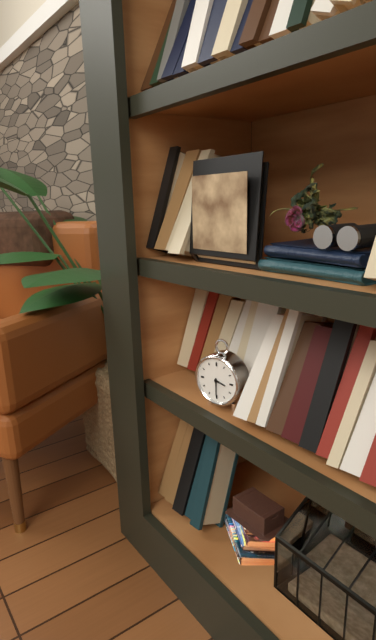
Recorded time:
3,30
